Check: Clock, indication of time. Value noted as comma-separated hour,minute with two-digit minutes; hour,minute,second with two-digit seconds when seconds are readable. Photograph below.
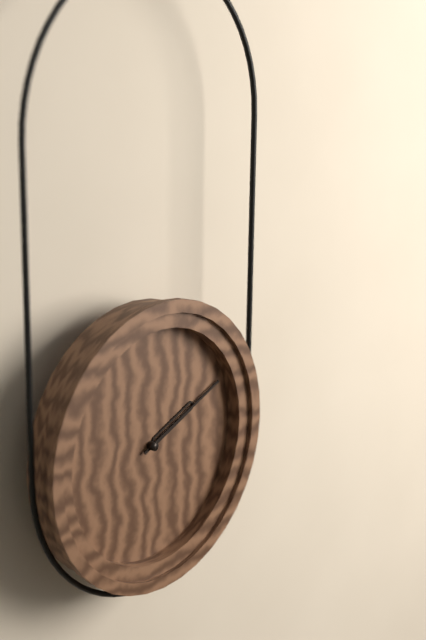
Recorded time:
2,11
